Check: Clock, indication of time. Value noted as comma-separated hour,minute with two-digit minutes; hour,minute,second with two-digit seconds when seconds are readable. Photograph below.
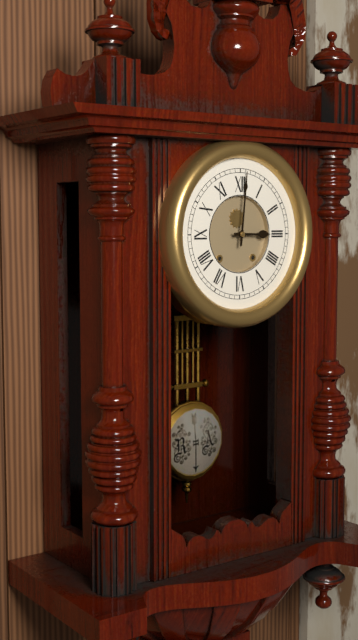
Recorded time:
3,01
